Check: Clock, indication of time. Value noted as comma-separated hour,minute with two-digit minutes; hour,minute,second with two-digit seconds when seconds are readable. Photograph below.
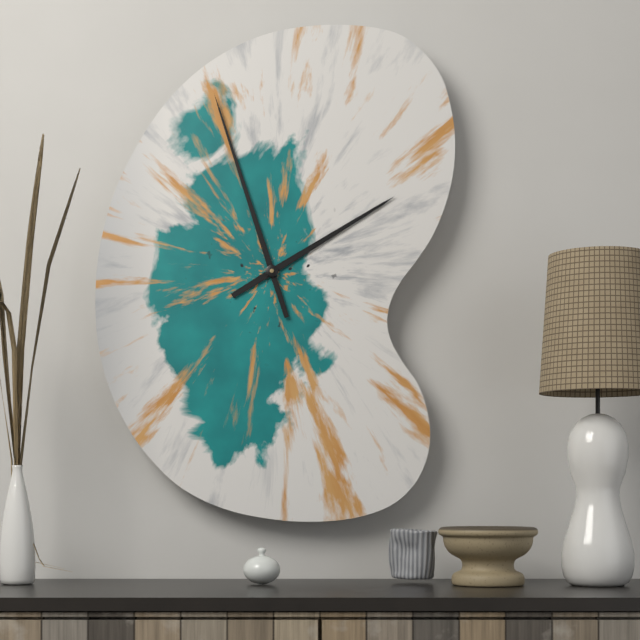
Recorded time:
1,57
